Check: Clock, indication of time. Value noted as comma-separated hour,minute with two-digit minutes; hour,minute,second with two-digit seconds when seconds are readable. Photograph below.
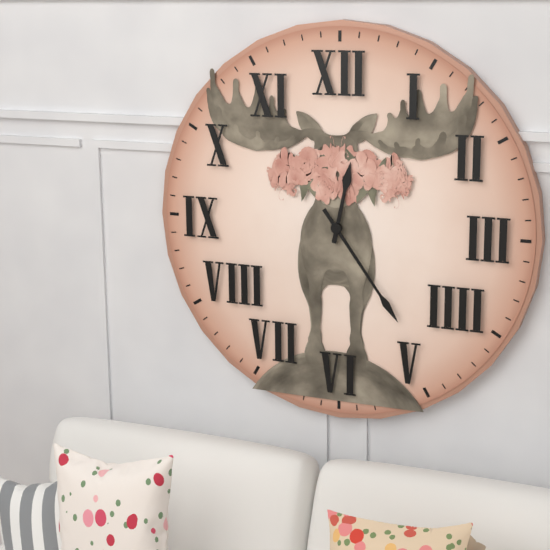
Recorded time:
12,24
